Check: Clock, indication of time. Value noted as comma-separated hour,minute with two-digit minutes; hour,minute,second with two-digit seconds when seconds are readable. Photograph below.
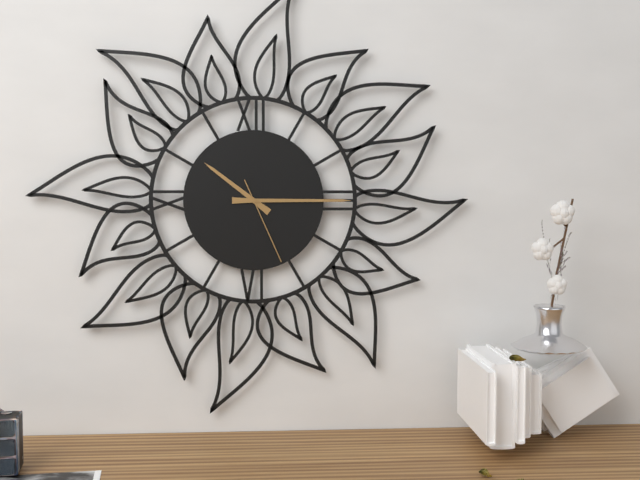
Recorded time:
10,15,26
